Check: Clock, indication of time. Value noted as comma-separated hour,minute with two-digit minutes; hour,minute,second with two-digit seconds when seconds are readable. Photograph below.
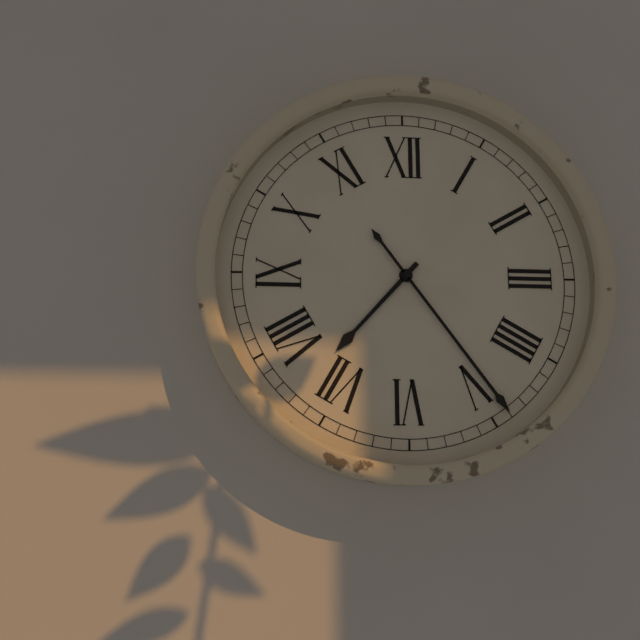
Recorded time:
7,24
